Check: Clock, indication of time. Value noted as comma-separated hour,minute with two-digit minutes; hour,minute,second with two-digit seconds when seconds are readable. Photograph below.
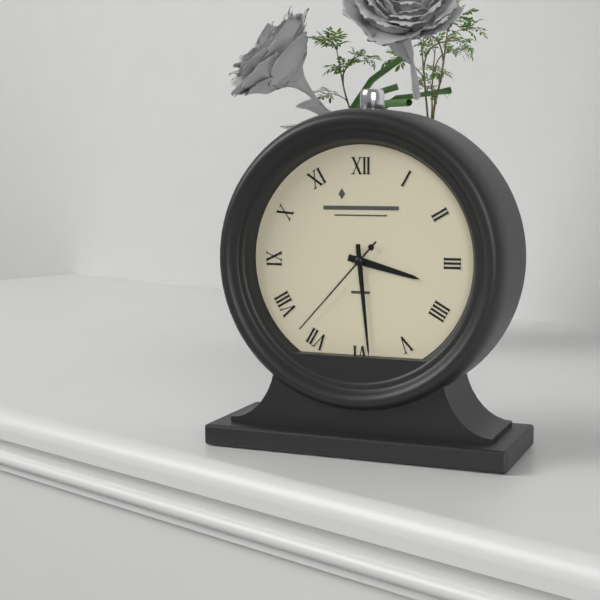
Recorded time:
3,29,37
